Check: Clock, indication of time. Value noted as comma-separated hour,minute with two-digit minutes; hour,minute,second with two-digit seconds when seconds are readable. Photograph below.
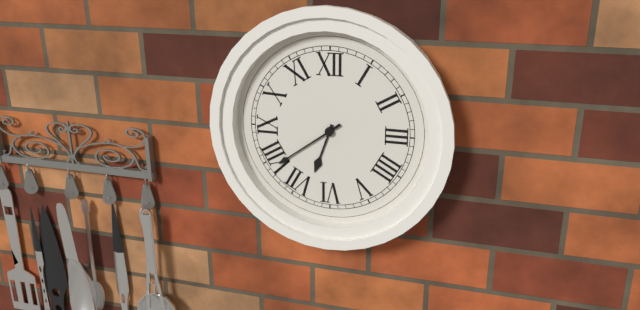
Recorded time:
6,39
